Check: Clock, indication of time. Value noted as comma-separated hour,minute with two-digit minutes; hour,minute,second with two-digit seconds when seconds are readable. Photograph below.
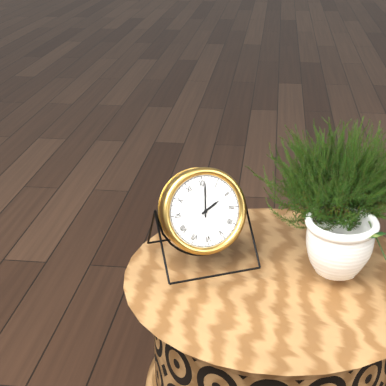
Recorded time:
2,01
